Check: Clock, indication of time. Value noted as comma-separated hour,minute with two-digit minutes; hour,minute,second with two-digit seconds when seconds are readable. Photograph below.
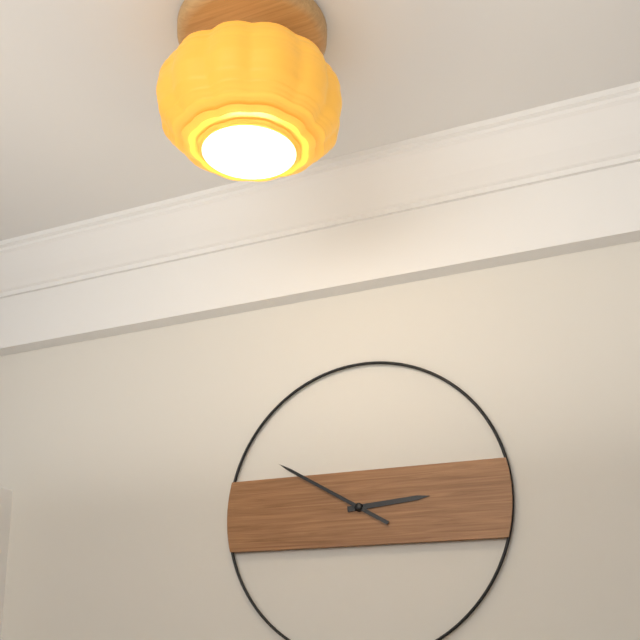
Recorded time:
2,50
